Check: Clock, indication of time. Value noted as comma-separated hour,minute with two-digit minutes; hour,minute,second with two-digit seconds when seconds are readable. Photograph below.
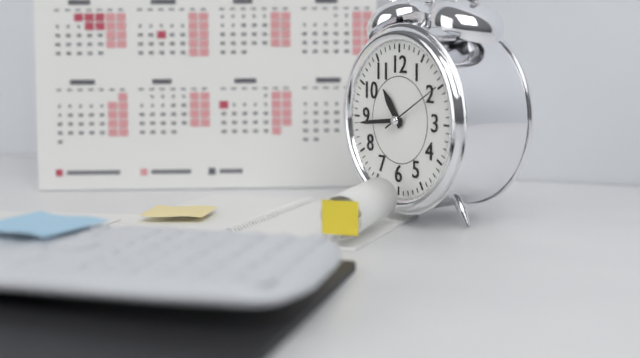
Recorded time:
10,44,10
